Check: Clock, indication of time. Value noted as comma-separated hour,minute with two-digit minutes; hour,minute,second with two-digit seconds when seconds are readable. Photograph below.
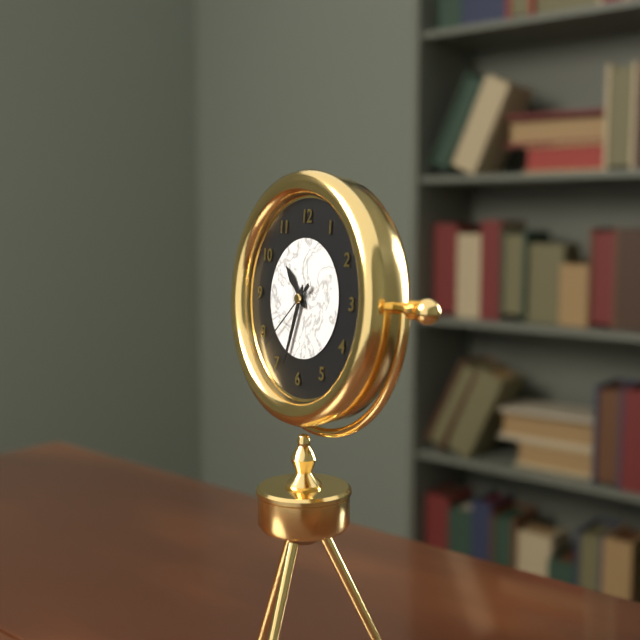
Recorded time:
10,33,38
